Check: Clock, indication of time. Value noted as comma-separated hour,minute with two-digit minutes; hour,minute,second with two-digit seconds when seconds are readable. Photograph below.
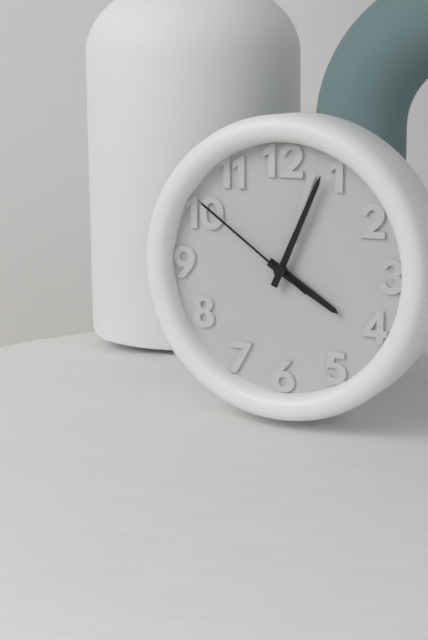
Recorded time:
4,04,51
